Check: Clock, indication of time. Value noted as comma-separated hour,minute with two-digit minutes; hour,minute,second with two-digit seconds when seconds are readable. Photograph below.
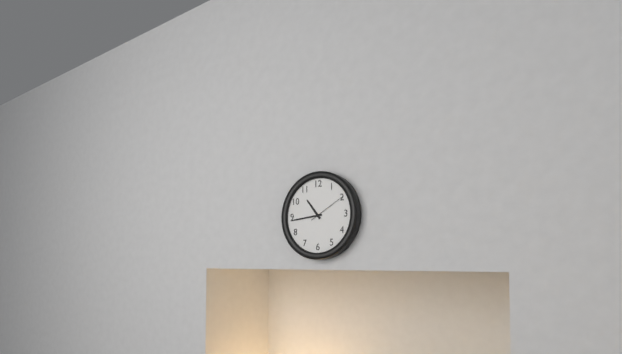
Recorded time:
10,44
